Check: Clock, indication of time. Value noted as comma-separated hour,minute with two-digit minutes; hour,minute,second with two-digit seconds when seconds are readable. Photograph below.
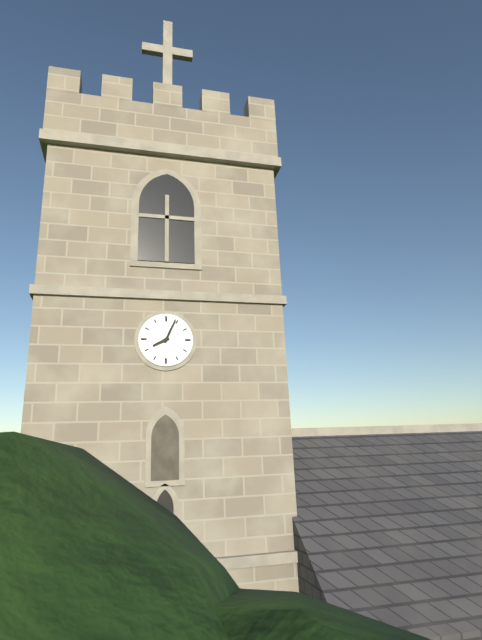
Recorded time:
8,04
